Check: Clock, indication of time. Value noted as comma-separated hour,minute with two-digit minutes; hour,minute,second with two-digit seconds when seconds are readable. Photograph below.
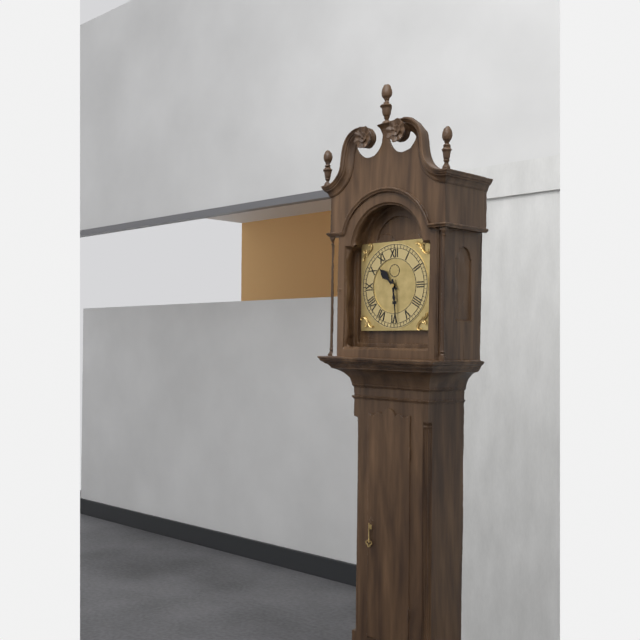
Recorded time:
10,29
